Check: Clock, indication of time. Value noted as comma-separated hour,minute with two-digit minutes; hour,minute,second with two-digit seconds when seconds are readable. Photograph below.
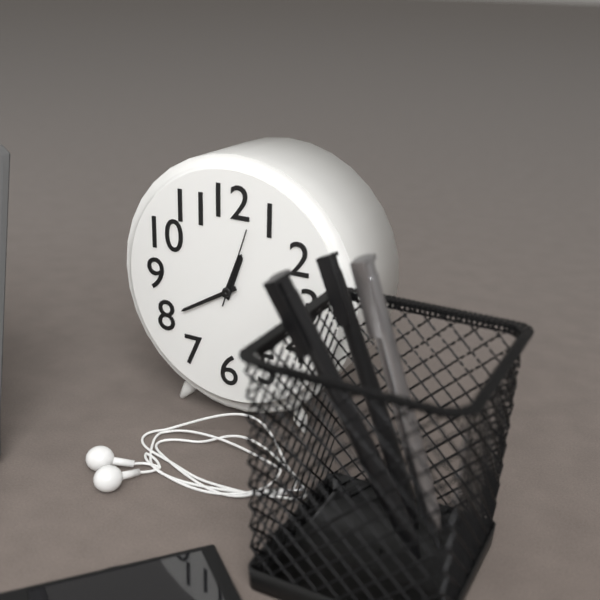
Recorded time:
12,40,03
